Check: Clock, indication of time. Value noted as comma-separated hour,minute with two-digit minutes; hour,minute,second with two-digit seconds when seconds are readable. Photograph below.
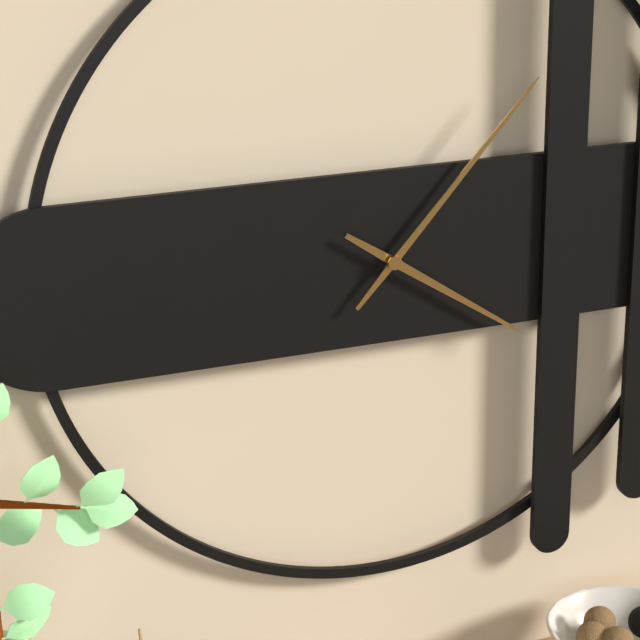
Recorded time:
4,07
